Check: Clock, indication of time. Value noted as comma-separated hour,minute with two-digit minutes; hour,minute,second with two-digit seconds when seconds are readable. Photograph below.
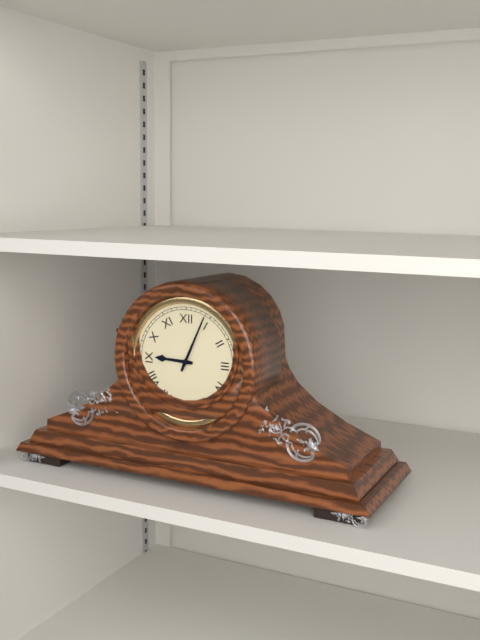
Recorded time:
9,04
